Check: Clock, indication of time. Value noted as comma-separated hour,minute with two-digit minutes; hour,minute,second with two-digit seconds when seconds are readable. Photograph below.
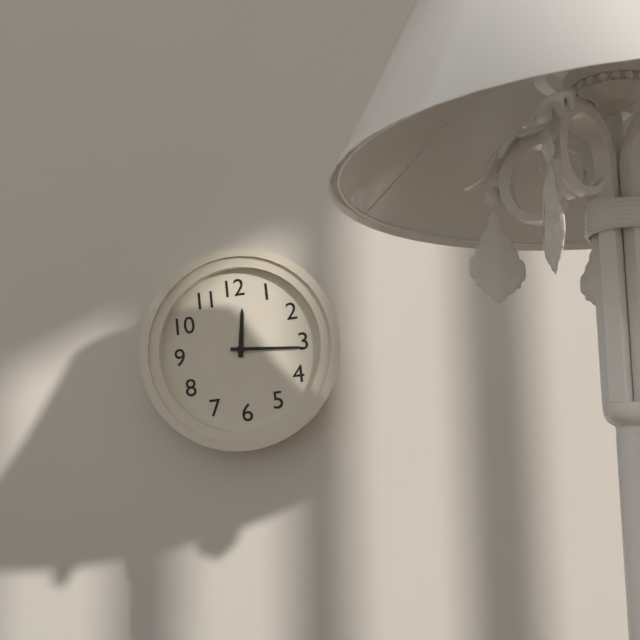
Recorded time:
12,16
